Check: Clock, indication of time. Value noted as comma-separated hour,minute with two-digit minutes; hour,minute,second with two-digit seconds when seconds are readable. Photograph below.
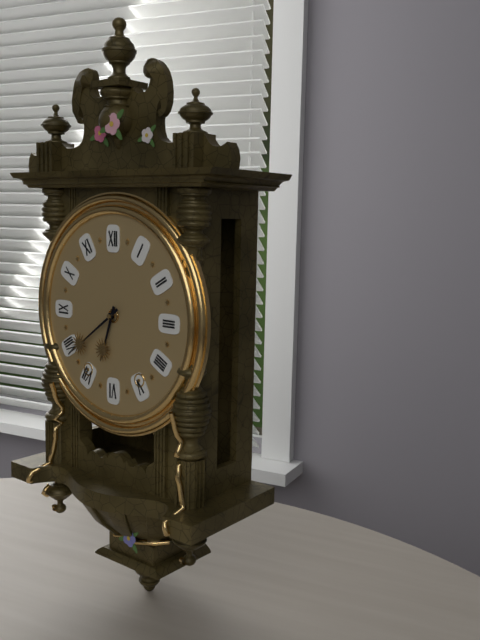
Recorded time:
6,39
